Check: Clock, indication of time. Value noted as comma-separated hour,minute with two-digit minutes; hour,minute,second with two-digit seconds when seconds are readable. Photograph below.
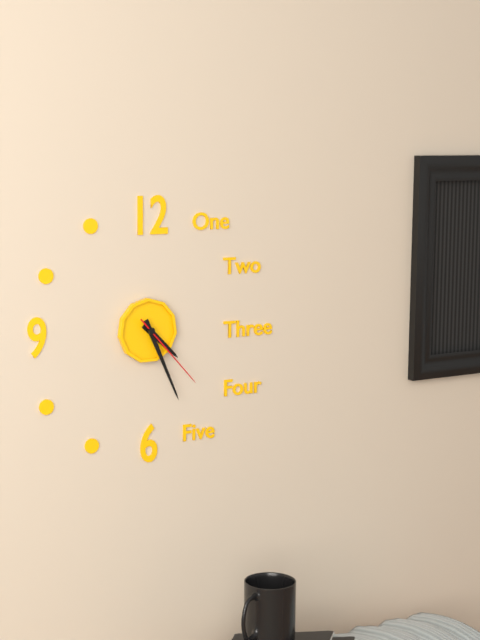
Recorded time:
4,26,23
